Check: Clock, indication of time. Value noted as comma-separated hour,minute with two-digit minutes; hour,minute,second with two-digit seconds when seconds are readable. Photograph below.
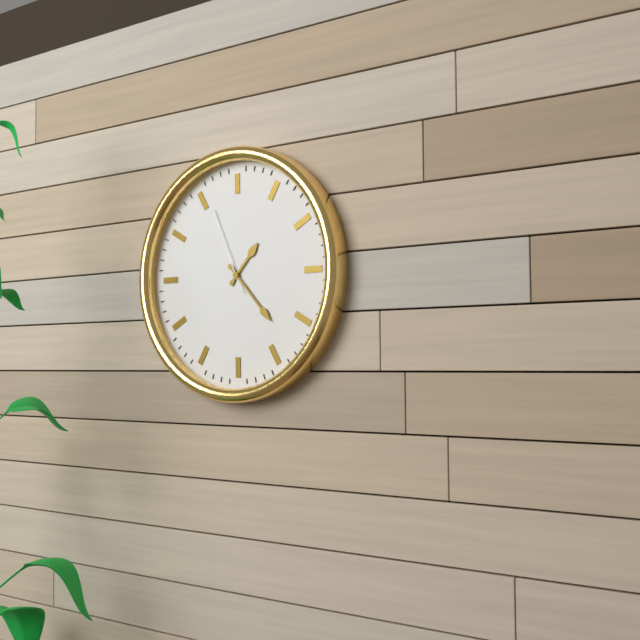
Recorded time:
1,23,56
